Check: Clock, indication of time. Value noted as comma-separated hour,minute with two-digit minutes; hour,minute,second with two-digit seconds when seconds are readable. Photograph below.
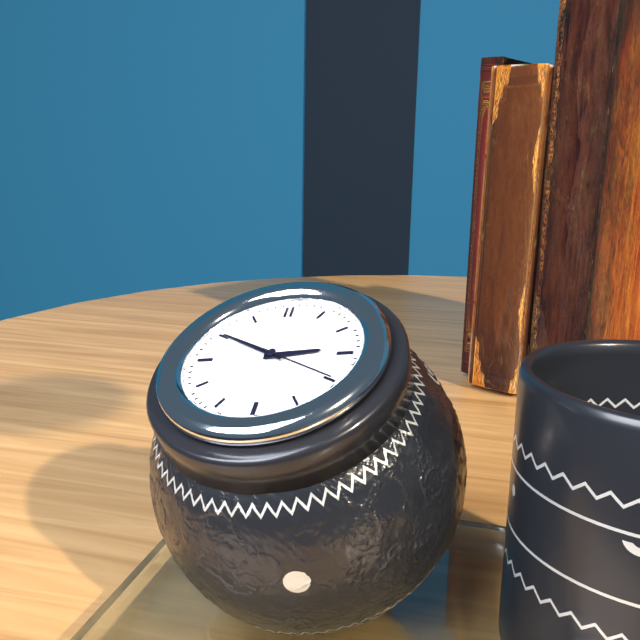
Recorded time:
2,50,20
